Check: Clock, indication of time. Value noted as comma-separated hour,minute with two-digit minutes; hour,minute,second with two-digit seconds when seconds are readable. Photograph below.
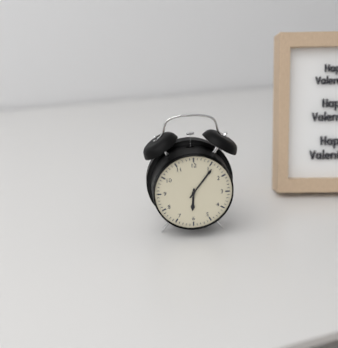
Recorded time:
6,06
